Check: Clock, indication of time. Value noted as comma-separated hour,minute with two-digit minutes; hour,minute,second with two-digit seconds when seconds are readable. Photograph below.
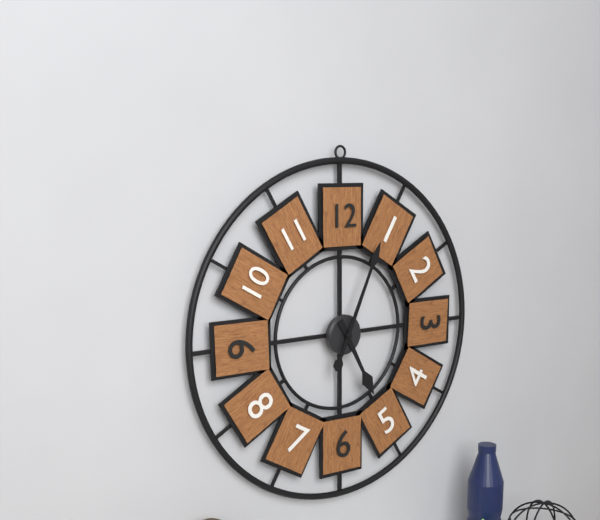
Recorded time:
5,04
